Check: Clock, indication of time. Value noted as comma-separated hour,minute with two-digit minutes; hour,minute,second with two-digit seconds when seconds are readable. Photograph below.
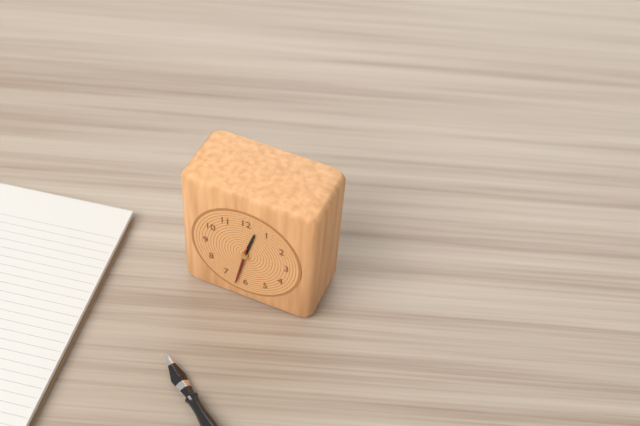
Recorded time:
12,32
